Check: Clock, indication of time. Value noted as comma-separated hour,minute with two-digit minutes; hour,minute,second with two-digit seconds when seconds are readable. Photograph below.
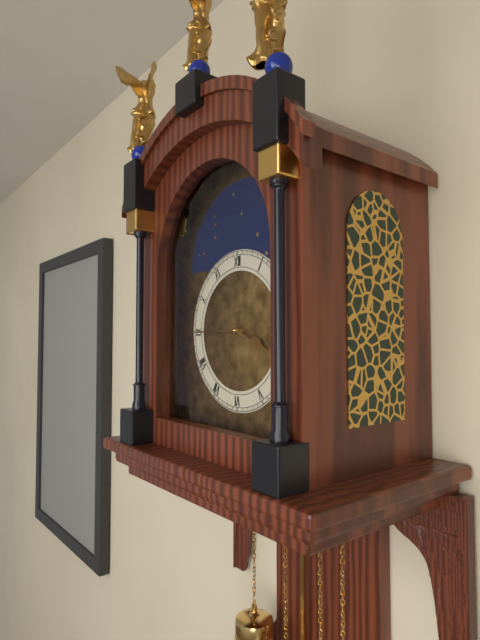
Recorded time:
3,45
